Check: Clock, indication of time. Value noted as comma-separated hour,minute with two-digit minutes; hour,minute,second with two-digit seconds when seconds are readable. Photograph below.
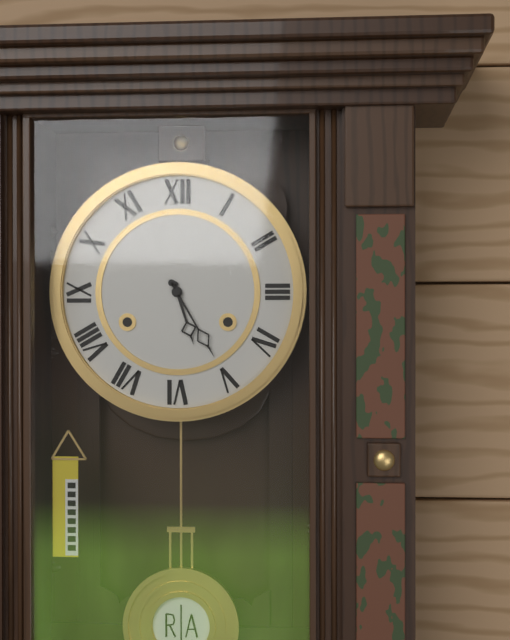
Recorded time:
5,25
